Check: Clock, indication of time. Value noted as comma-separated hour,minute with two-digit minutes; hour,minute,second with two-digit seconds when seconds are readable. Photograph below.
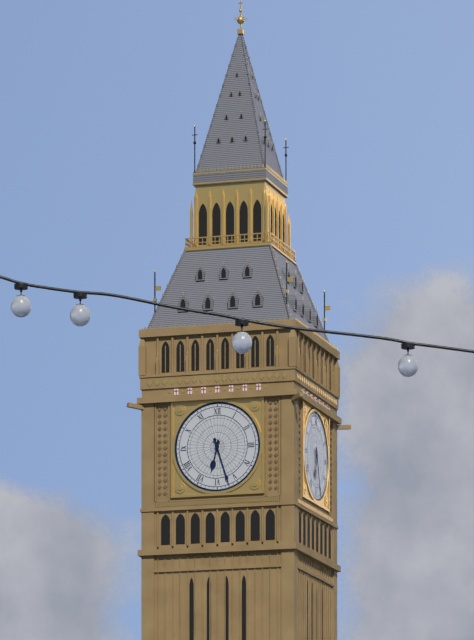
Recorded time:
6,27
